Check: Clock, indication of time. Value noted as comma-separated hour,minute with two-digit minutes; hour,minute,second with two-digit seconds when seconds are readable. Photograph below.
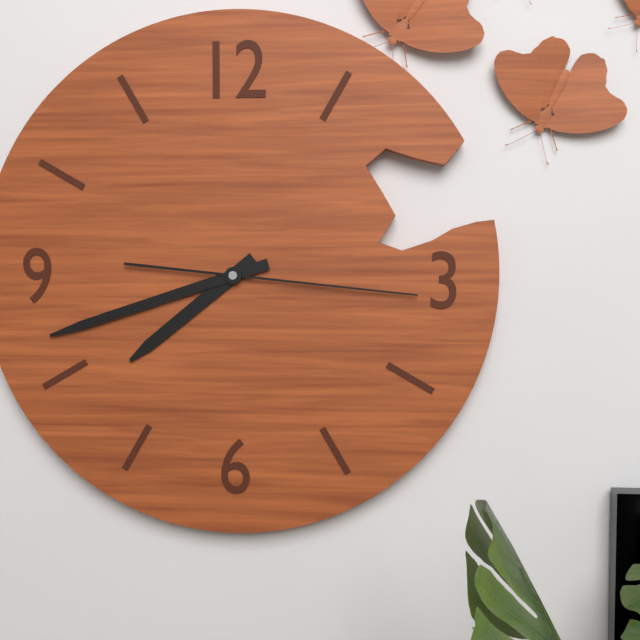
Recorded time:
7,42,16
